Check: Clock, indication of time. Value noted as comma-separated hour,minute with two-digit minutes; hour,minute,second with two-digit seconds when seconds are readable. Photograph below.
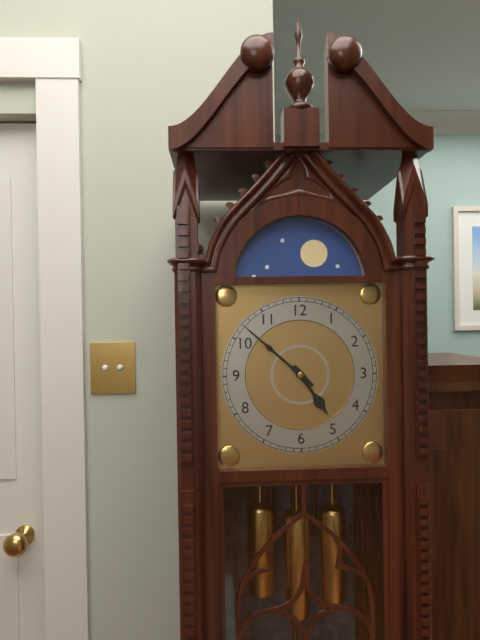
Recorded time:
4,52
